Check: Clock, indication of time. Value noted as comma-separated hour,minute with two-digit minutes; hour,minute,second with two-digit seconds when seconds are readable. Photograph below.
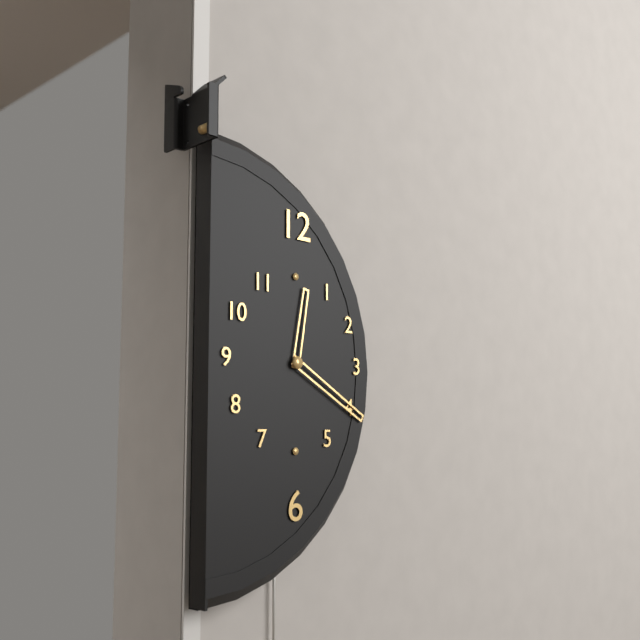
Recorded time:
12,20
